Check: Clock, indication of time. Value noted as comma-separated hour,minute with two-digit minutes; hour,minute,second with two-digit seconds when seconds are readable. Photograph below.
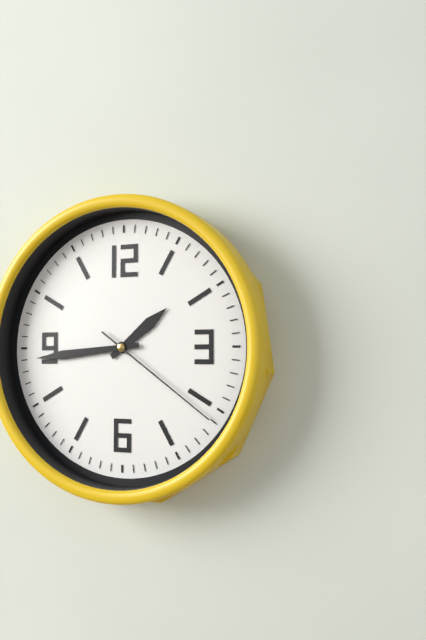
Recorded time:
1,44,21
